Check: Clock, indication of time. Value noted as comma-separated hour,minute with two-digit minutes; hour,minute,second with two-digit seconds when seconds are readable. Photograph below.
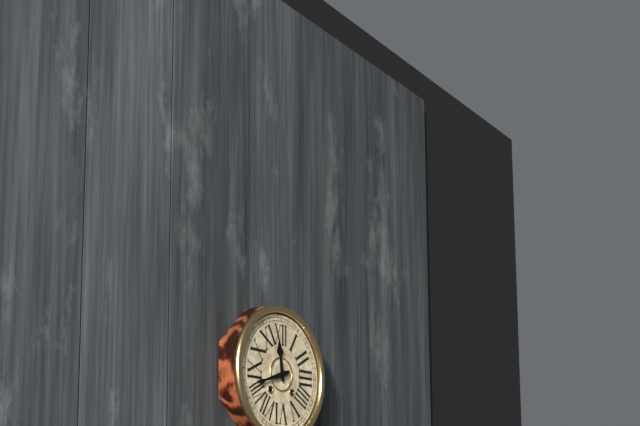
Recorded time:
11,42
